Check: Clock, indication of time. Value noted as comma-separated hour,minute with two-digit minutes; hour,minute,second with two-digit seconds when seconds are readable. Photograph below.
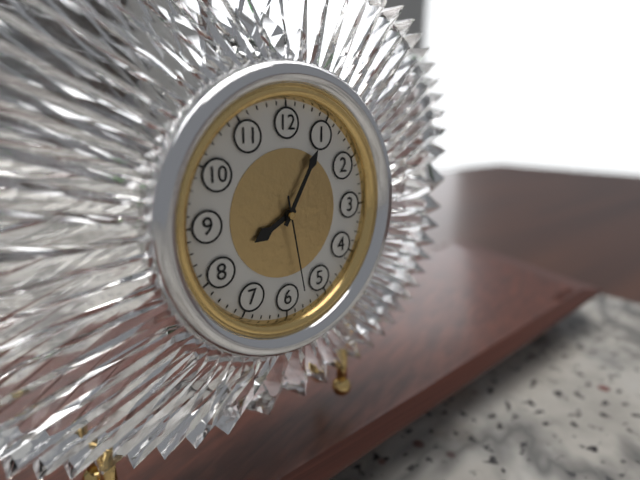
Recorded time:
8,05,28
